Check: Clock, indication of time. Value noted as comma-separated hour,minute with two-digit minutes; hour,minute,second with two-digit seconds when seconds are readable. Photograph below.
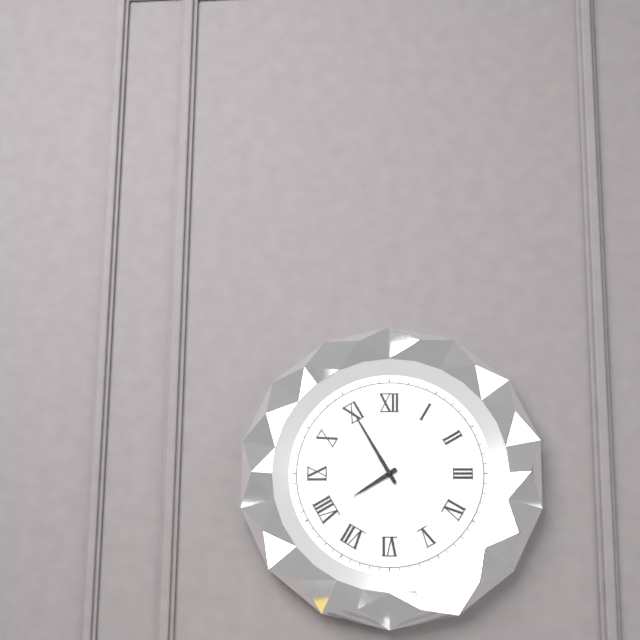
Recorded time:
7,55
